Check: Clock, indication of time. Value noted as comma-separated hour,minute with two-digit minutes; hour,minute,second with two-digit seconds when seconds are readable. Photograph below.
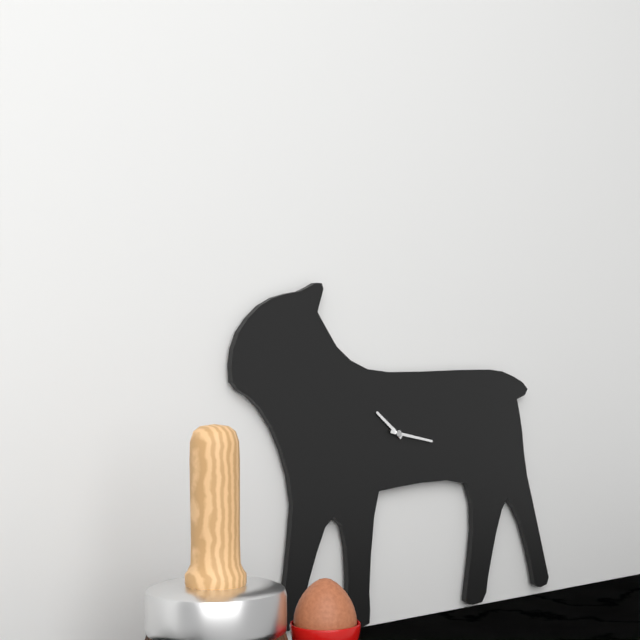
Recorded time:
10,17
